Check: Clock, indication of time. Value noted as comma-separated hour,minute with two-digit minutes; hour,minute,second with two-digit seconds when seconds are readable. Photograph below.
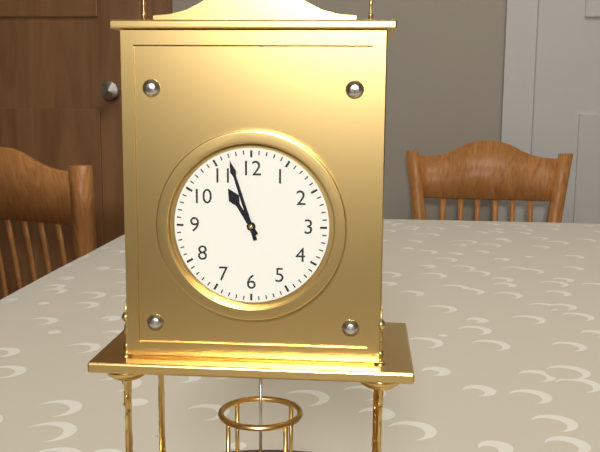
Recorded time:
10,57
